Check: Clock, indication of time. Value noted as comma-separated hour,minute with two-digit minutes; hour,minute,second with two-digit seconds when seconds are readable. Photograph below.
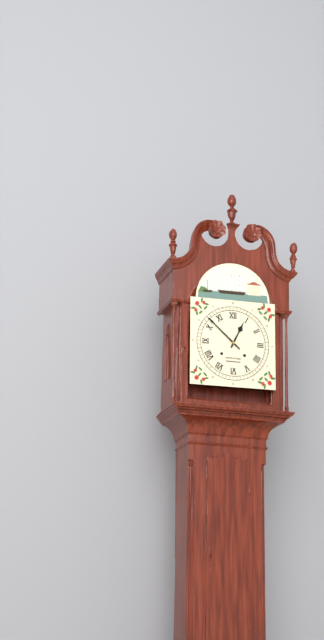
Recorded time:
12,52
